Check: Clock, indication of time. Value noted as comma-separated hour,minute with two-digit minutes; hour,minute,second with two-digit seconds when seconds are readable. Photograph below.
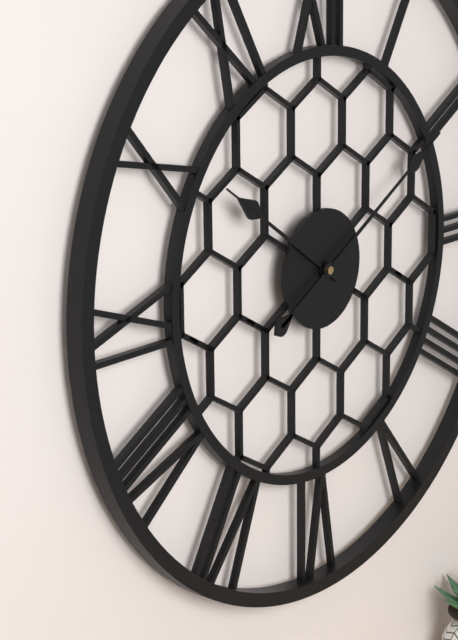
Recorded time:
10,10
